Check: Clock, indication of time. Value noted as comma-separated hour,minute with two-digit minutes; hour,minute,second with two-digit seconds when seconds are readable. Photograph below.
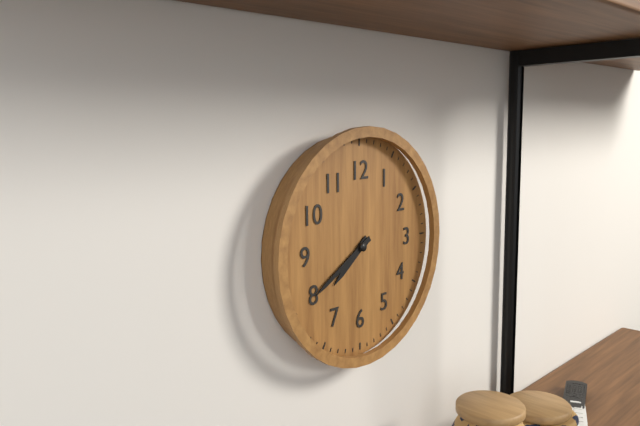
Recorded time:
7,40
